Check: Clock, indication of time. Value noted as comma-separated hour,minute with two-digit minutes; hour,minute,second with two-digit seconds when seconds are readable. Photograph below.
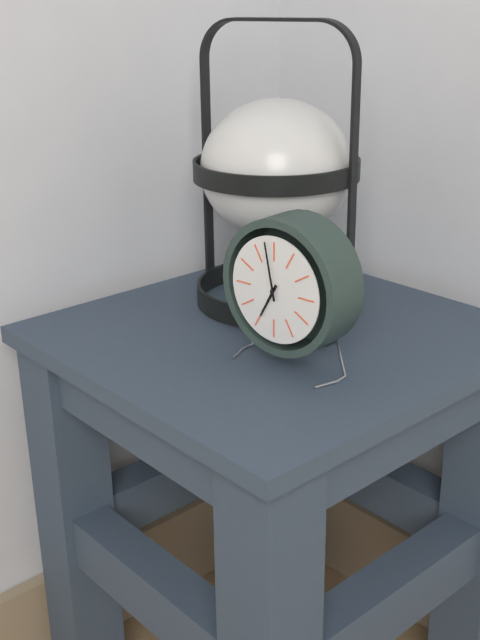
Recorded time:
6,58
